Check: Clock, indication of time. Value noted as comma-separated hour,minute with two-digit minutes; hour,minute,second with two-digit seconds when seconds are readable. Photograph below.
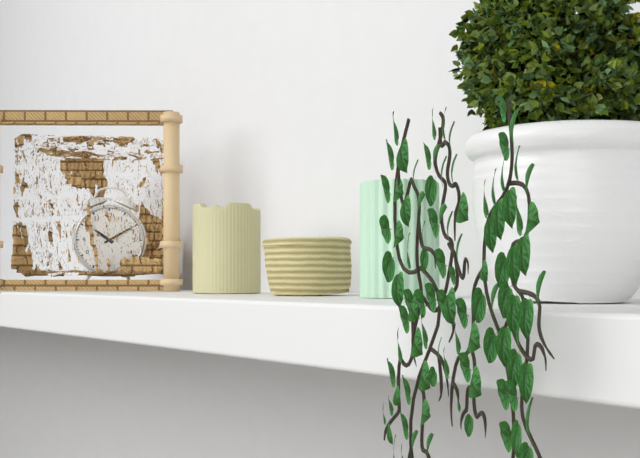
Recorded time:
10,10
